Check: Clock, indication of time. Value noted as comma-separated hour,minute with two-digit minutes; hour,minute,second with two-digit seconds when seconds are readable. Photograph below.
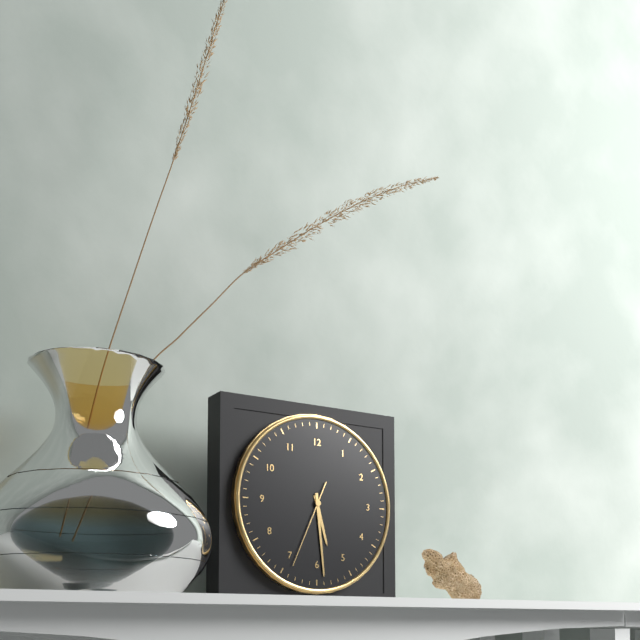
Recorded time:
5,29,34
